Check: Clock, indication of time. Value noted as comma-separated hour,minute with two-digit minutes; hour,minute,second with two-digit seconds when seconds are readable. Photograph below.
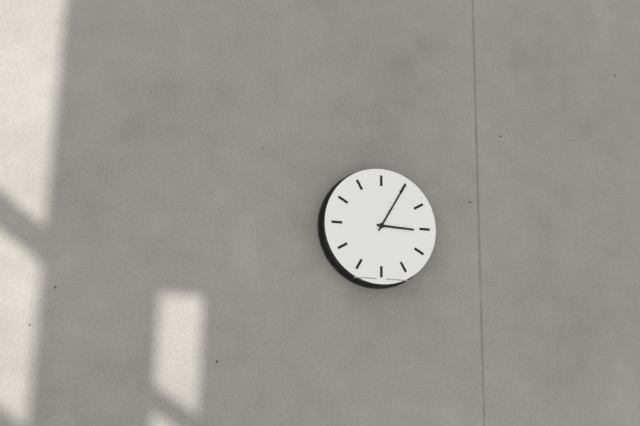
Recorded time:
3,05
